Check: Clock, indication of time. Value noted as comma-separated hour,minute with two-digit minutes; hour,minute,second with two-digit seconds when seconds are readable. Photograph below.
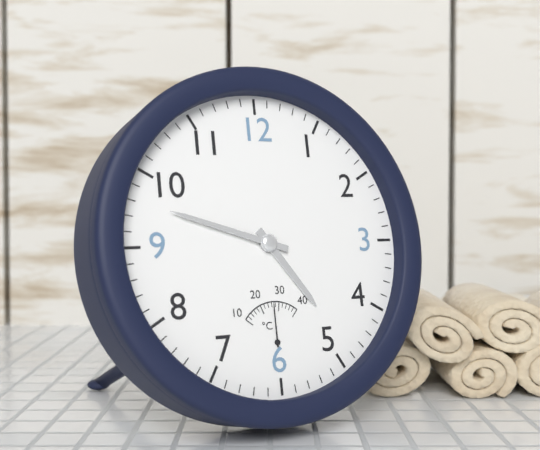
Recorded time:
4,48
